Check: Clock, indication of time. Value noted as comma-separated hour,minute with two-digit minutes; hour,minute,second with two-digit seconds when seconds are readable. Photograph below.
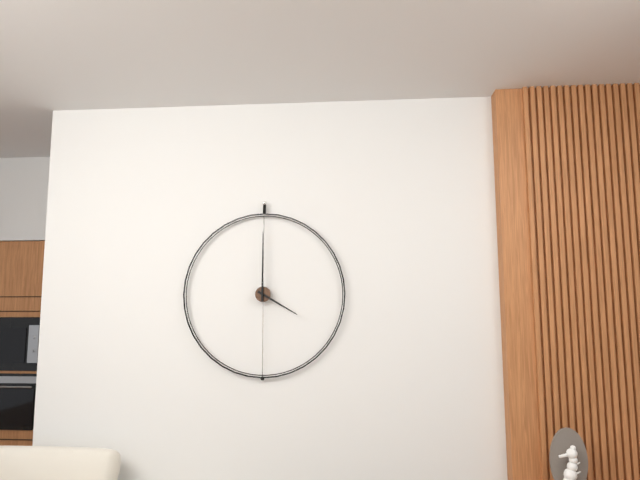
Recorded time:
4,00
